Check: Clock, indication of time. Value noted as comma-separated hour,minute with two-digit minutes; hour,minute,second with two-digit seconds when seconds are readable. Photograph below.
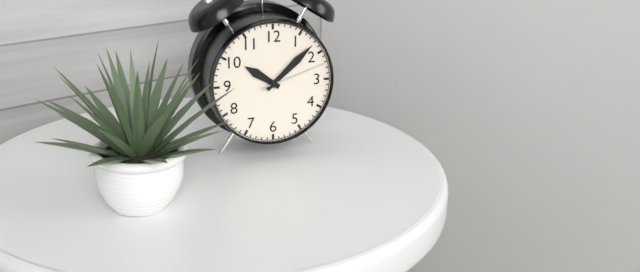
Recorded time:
10,08,12
